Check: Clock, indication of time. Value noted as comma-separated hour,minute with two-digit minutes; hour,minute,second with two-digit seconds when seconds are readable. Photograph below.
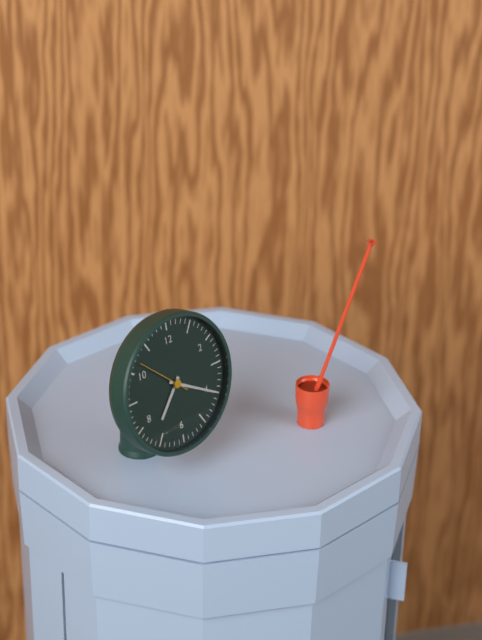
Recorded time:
7,20,52
